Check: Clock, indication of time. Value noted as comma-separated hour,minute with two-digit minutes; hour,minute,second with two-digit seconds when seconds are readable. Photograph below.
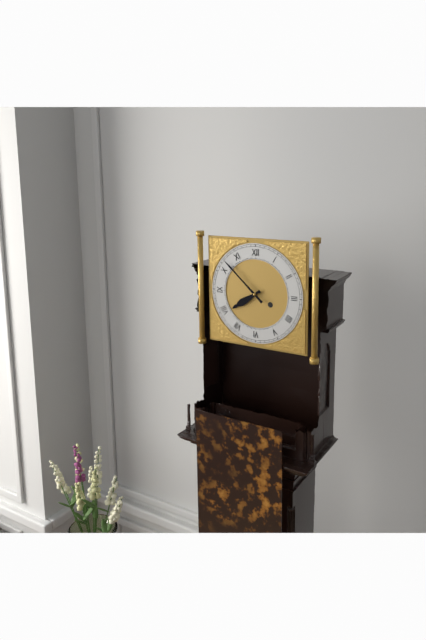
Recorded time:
7,52
